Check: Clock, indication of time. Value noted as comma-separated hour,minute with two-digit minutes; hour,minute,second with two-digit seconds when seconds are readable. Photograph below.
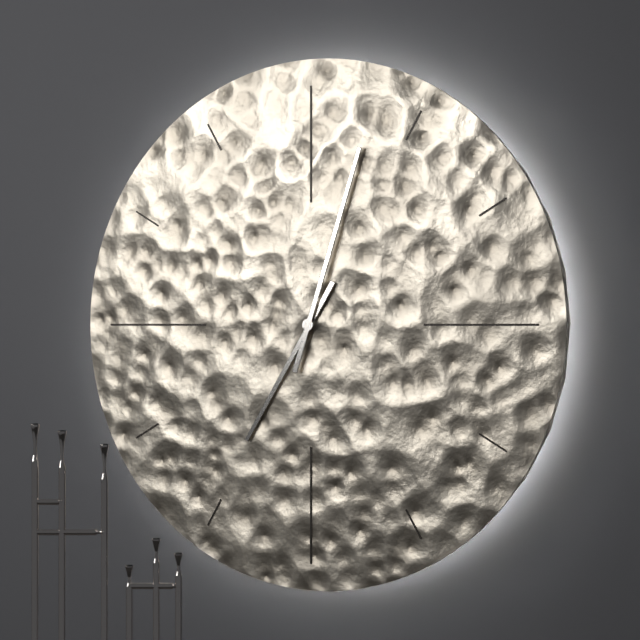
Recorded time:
7,03
